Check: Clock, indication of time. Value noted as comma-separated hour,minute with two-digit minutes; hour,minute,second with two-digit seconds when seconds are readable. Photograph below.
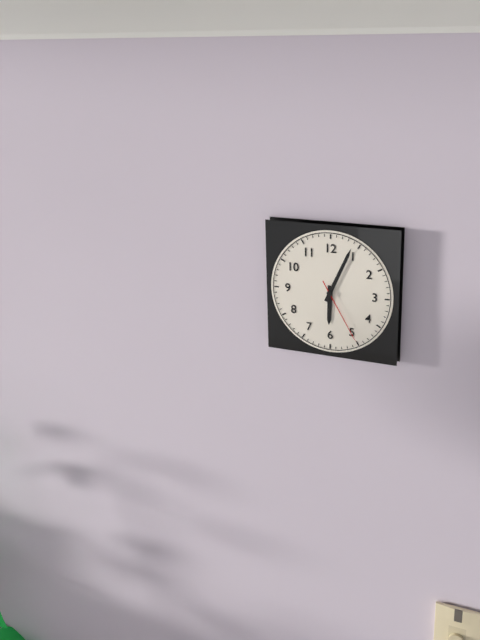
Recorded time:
6,04,25
